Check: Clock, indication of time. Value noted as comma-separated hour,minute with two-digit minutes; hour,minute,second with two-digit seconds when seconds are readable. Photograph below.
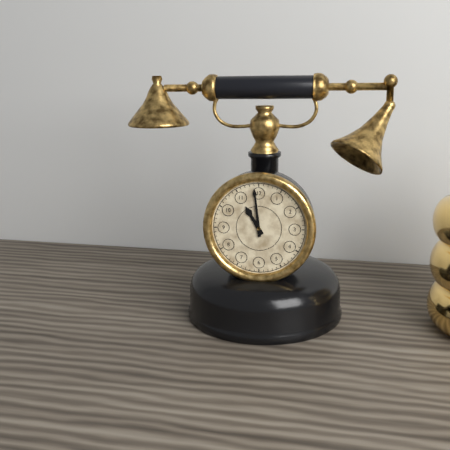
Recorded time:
10,59
